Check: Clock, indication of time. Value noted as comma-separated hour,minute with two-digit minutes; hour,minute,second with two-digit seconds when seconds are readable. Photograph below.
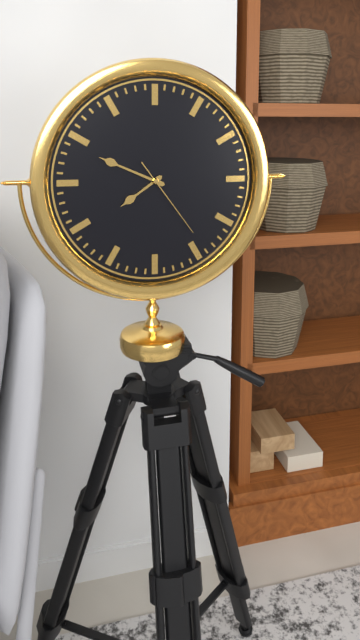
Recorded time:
7,49,24
